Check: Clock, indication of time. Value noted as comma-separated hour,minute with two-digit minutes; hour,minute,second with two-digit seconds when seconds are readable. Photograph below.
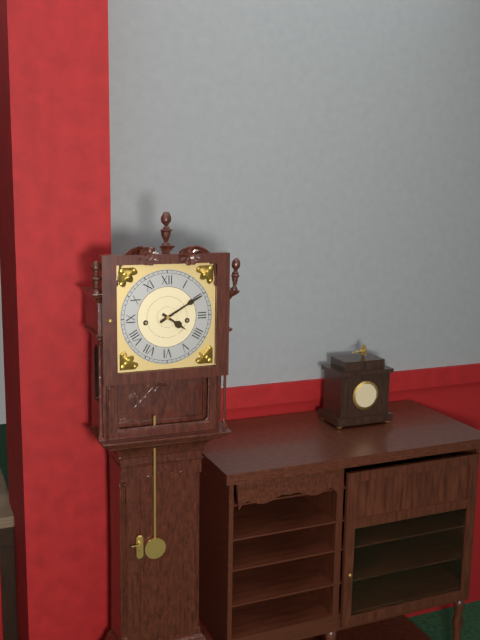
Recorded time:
4,10
